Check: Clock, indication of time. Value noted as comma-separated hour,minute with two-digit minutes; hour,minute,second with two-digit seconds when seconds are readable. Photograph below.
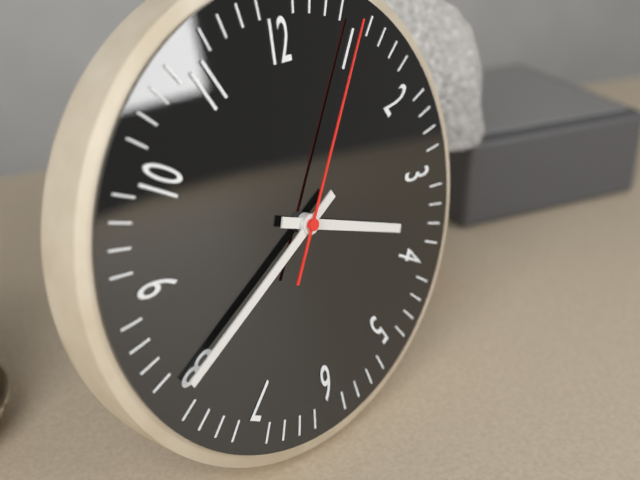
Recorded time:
3,40,05
